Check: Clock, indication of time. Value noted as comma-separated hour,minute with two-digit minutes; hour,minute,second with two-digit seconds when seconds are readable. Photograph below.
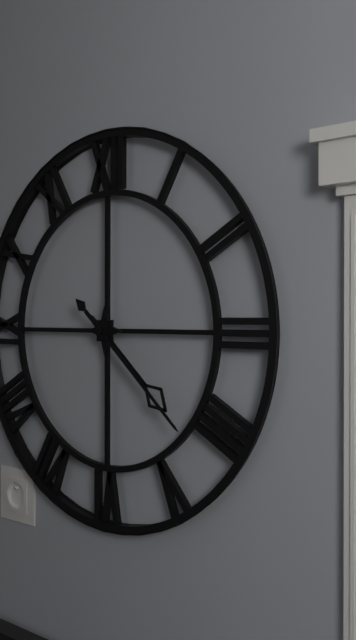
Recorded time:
4,22
